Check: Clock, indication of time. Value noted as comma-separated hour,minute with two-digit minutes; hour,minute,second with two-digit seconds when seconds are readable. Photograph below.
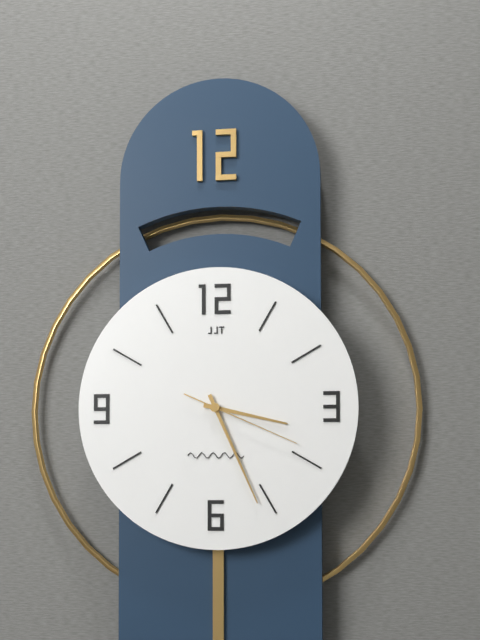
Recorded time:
3,26,19
